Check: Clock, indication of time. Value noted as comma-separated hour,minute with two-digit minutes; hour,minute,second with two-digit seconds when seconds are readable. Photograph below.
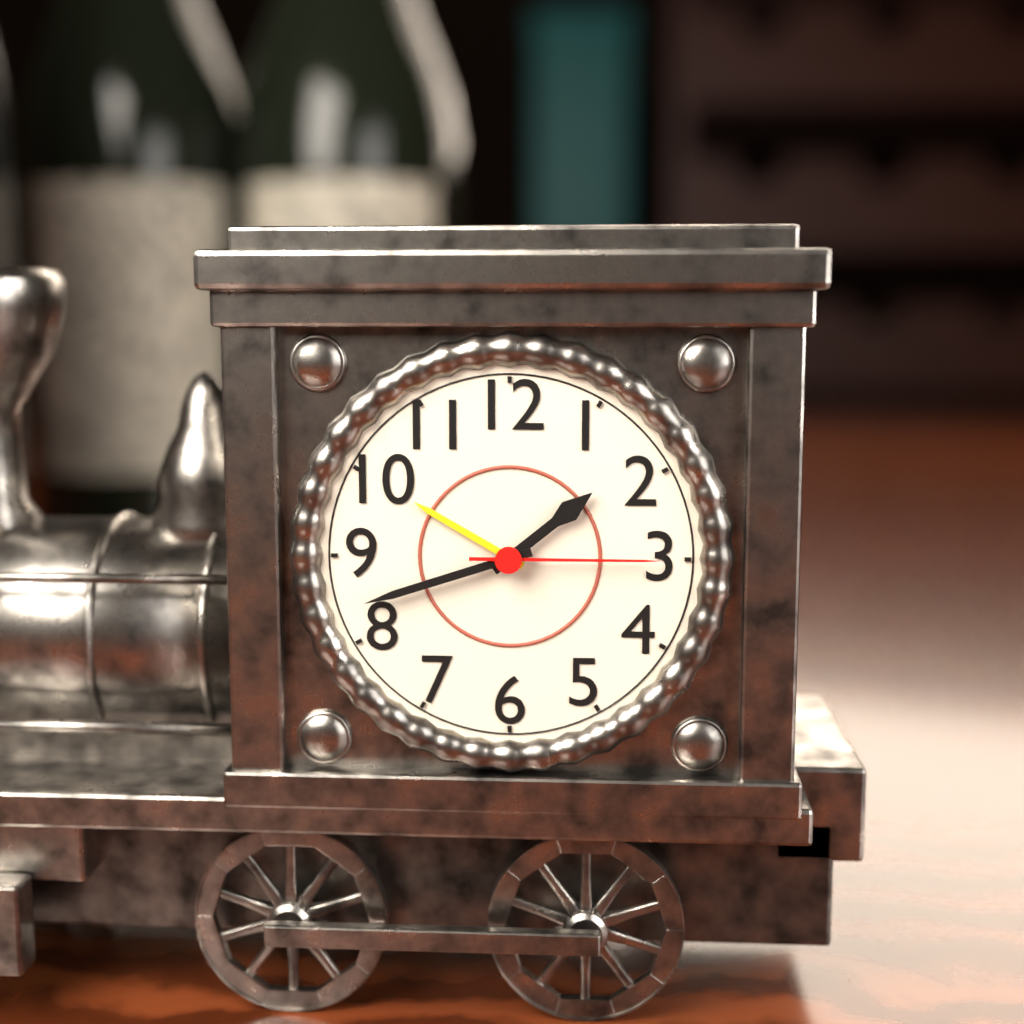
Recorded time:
1,42,15
